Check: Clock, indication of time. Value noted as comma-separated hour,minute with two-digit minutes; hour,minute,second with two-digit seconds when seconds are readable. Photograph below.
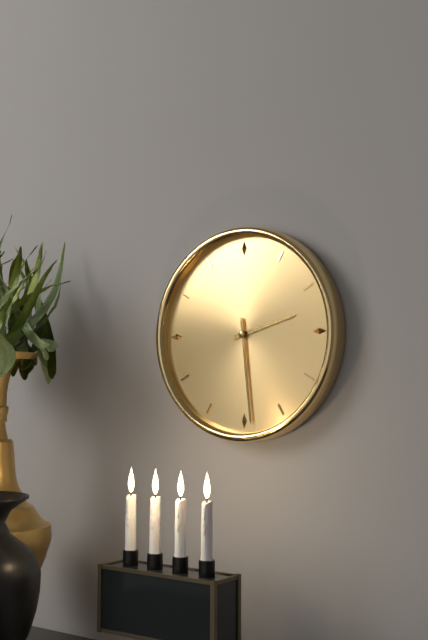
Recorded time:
2,29
